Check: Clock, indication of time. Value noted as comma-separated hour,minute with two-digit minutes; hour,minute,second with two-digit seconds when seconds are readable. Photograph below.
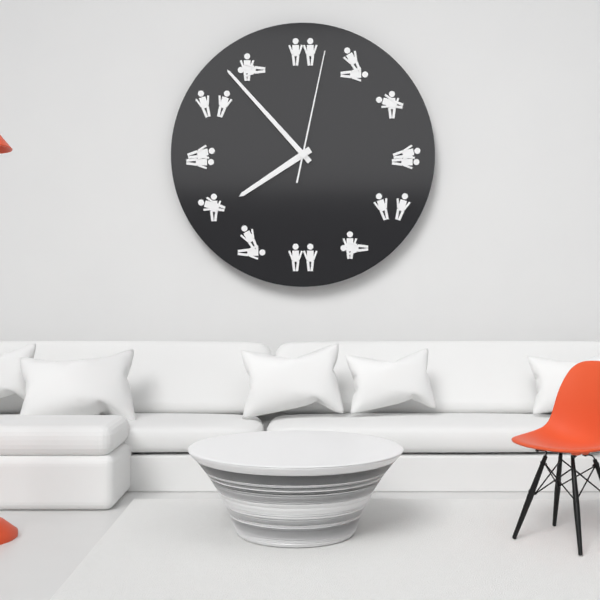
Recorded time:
7,53,02
